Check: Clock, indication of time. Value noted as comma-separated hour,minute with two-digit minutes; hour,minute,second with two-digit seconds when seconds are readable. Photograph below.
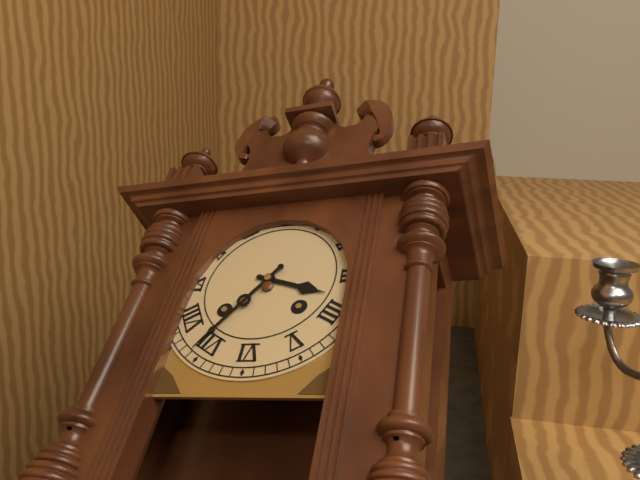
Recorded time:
3,36
